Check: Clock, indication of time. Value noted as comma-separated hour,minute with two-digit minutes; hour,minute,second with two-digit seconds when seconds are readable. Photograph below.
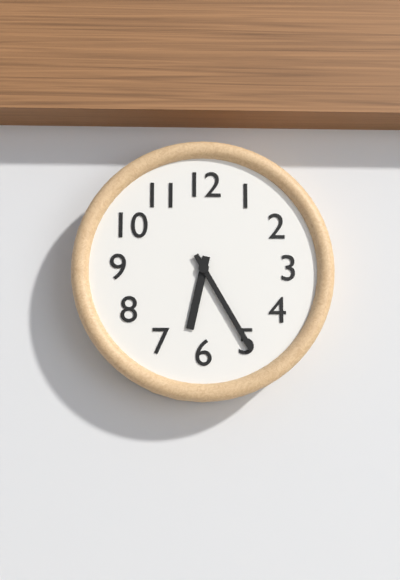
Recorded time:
6,25
